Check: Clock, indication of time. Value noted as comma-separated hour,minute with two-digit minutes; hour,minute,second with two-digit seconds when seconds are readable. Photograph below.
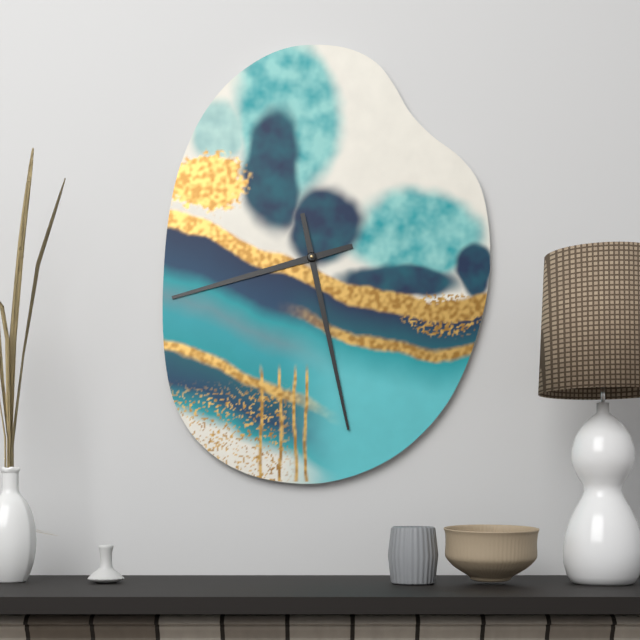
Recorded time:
8,28
